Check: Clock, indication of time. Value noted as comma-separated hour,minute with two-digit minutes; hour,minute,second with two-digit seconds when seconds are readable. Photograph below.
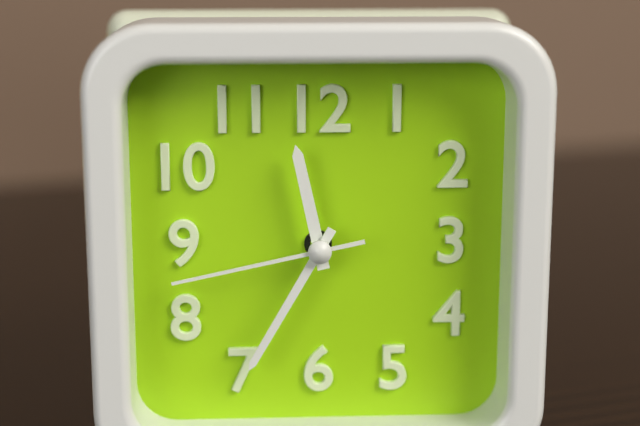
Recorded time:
11,35,43
